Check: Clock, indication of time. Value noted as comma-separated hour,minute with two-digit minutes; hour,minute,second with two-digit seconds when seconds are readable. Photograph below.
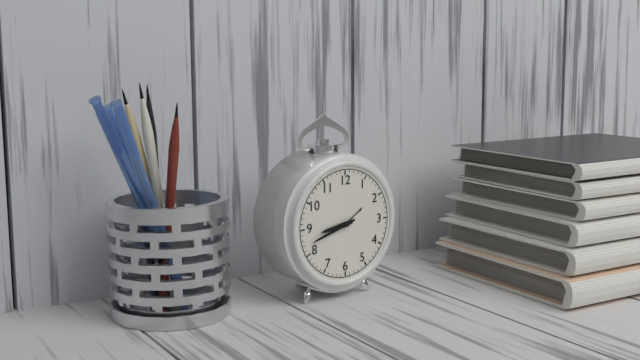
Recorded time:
8,42
